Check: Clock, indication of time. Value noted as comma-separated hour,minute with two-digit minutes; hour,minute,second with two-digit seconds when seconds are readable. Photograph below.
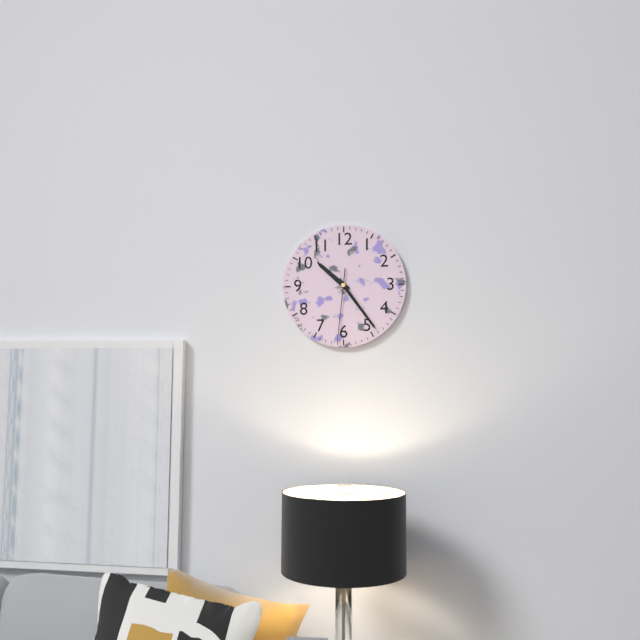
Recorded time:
10,24,31
